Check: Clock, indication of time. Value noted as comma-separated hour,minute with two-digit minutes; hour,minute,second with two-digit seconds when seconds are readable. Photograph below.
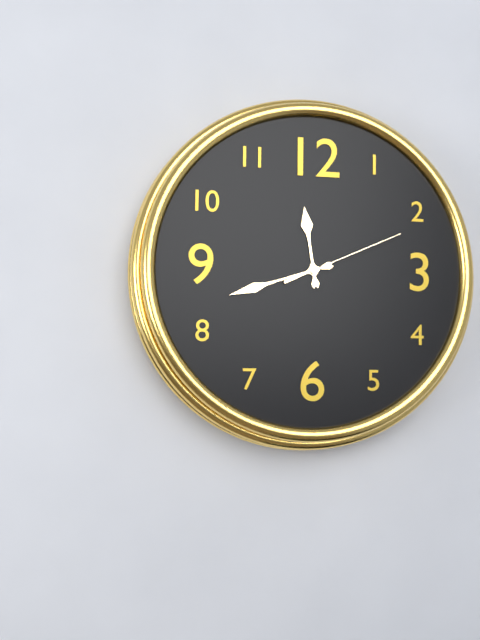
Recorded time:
11,42,11
